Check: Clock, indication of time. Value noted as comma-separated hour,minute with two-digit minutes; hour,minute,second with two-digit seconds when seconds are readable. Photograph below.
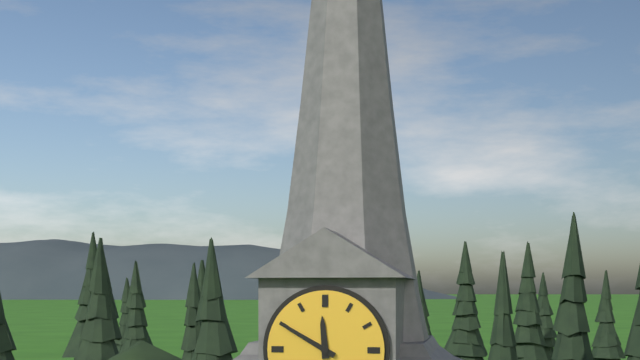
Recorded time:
11,50
